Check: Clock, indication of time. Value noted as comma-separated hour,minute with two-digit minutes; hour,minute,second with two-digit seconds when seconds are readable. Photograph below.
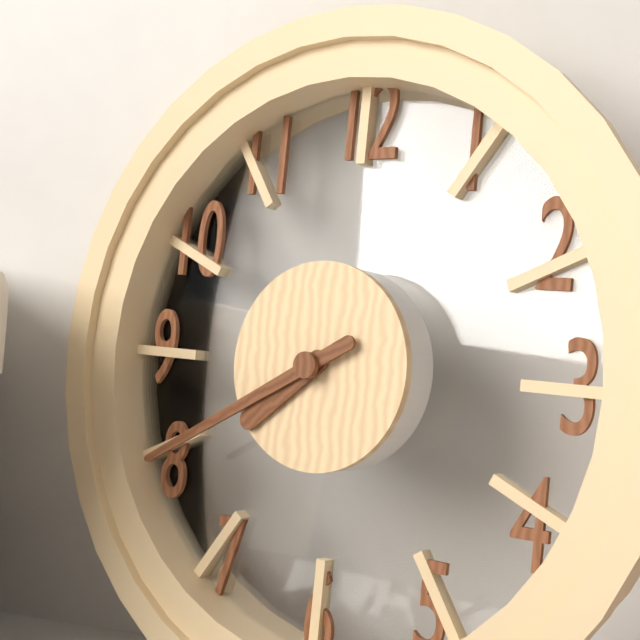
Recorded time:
7,40
